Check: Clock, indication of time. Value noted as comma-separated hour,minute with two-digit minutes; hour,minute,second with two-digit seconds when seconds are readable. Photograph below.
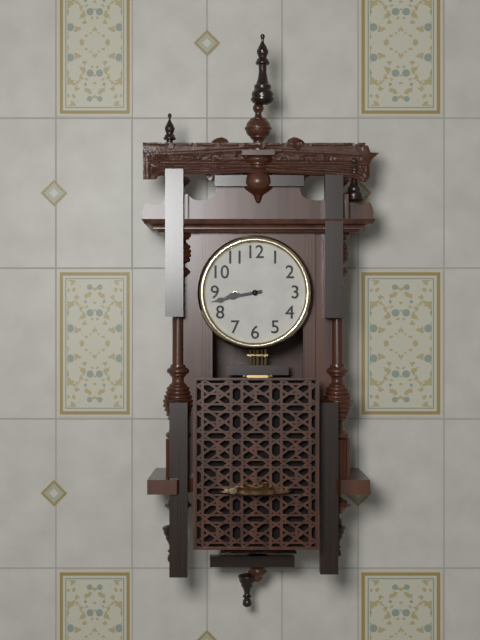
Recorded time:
8,43
